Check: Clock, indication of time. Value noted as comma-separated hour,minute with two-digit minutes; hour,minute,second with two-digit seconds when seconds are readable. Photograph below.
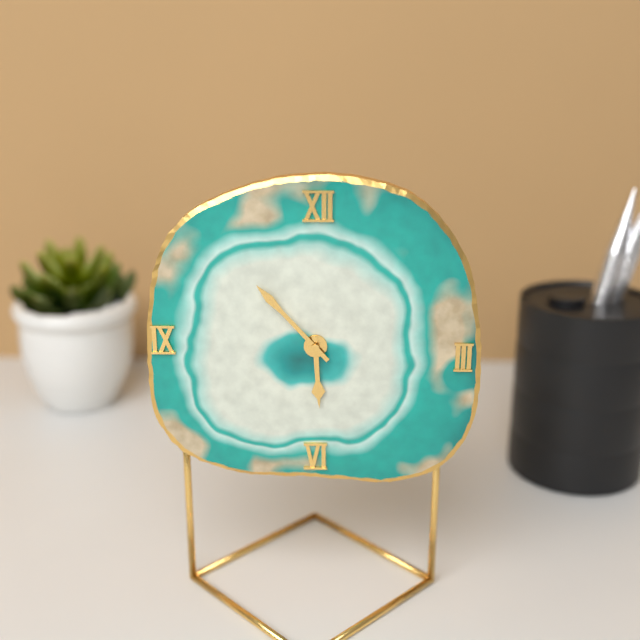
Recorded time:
5,53
